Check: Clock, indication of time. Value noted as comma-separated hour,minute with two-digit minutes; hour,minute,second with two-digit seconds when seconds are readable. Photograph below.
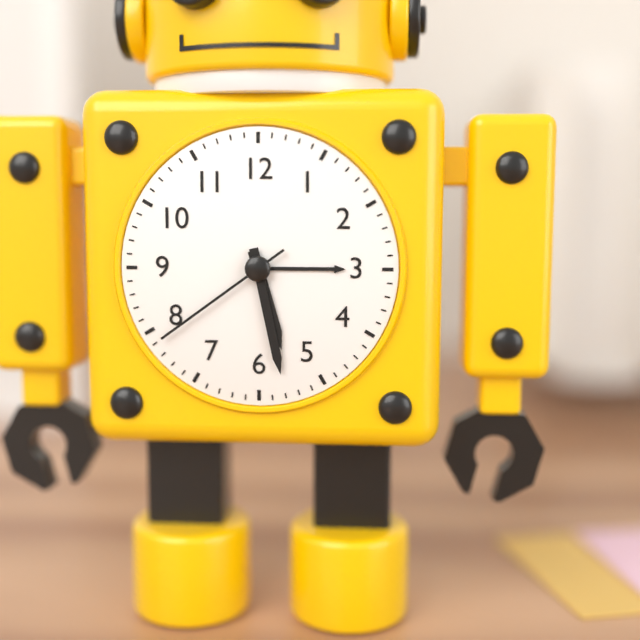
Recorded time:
5,28,39
